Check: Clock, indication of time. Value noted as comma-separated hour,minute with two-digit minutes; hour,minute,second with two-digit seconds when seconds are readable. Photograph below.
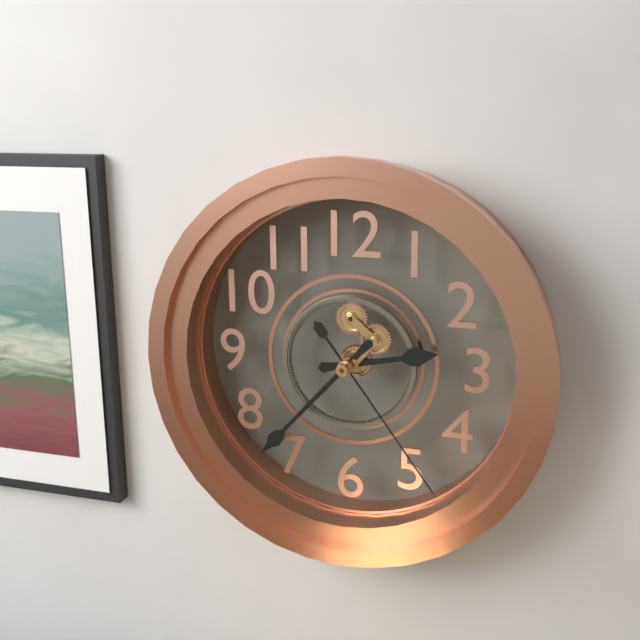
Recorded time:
2,37,24
